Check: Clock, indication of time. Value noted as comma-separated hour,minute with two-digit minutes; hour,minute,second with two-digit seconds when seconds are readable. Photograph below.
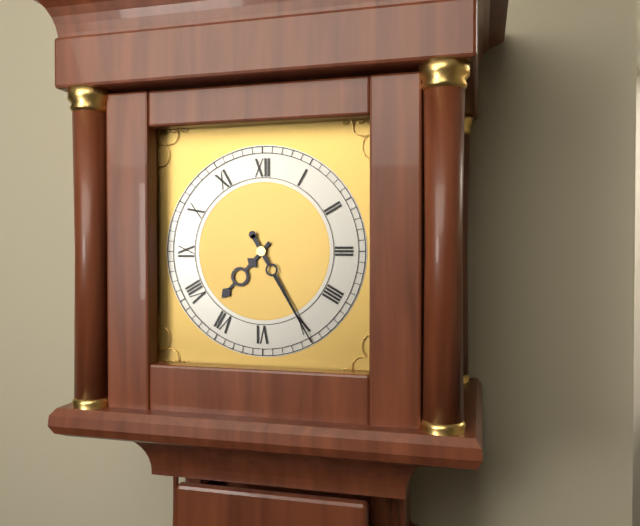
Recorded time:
7,25
